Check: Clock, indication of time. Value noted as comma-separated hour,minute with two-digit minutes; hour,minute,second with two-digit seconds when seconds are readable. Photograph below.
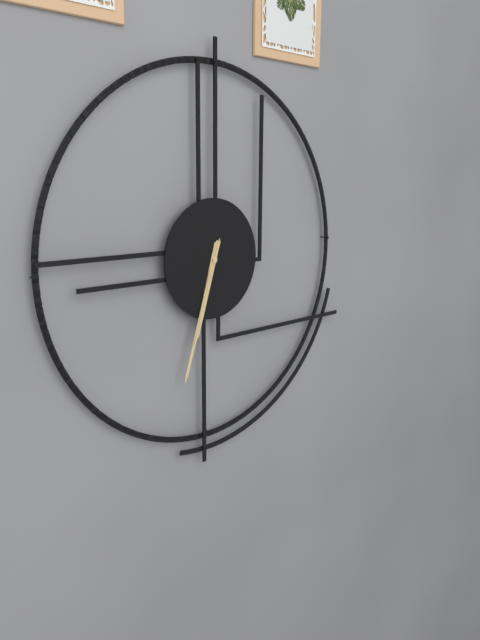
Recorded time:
6,33,33
